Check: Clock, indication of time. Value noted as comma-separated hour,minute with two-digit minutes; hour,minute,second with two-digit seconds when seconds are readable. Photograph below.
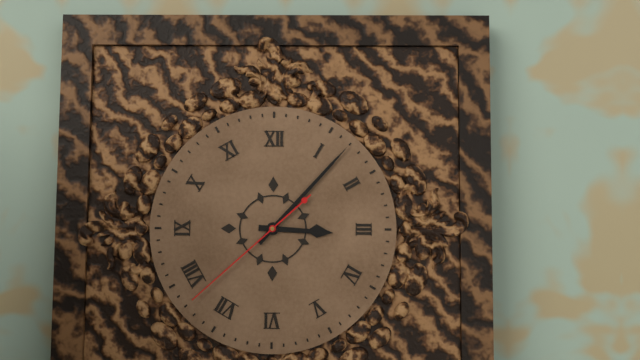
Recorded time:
3,07,38
